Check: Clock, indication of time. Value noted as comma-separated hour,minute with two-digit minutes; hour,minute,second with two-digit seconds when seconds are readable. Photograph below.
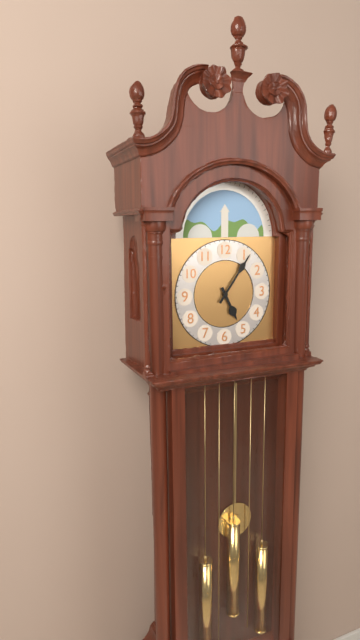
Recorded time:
5,06
